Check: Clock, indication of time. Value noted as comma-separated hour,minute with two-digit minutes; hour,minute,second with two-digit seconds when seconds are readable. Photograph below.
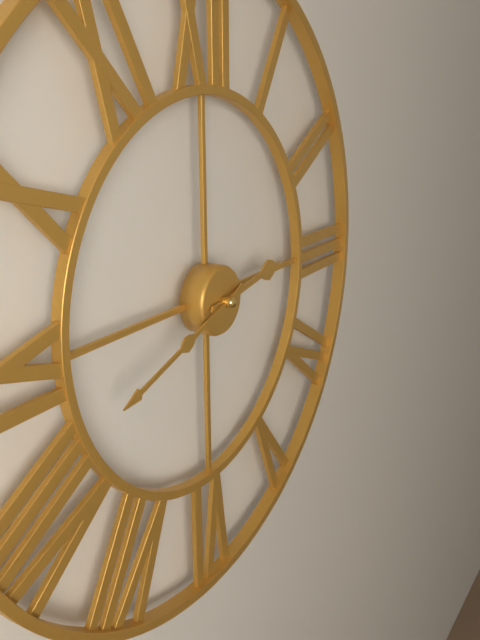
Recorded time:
2,42
